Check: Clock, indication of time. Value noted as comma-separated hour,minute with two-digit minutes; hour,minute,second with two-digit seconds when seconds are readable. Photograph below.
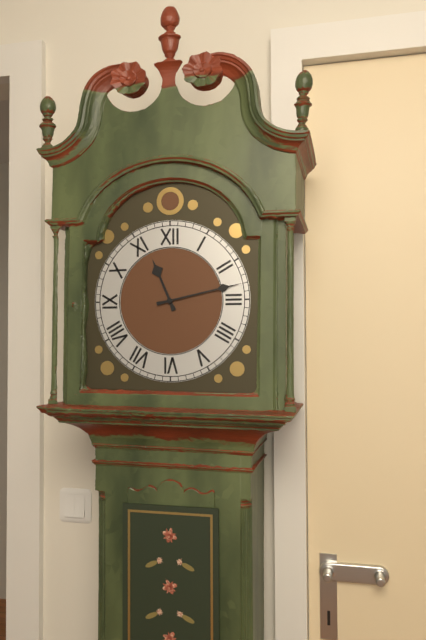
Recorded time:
11,13
